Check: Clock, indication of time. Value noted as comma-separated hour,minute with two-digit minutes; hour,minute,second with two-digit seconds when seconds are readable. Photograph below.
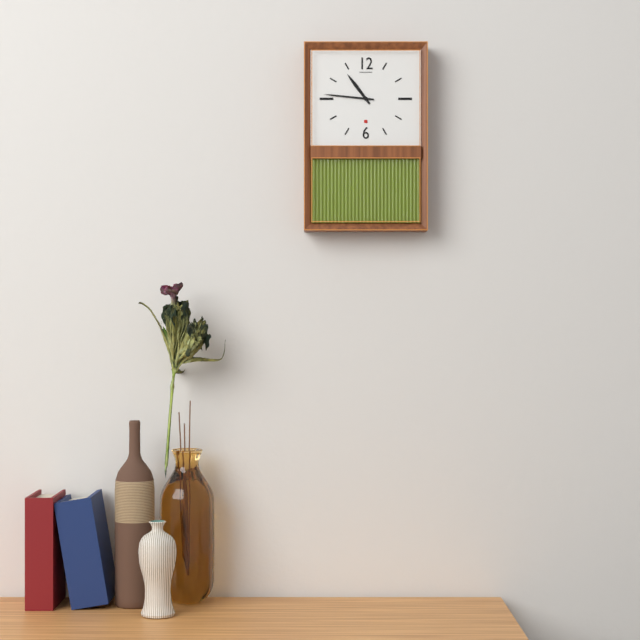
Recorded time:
10,46
